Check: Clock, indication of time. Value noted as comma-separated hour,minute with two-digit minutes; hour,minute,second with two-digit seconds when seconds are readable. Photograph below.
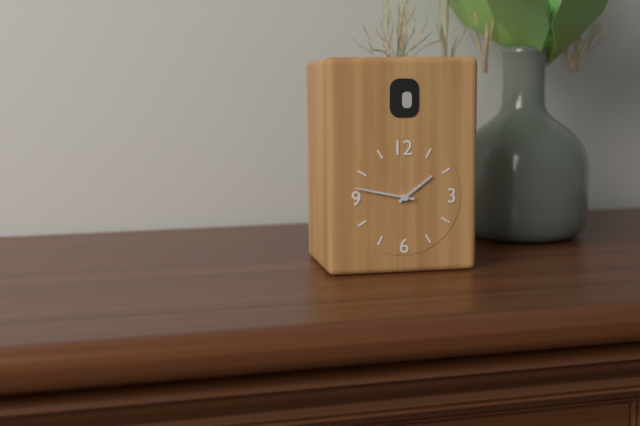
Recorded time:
1,47
